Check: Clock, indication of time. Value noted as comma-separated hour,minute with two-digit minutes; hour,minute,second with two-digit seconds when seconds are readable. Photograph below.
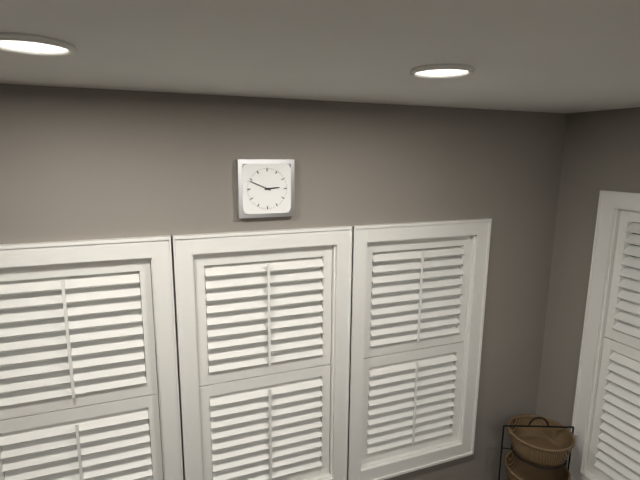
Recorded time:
2,49
